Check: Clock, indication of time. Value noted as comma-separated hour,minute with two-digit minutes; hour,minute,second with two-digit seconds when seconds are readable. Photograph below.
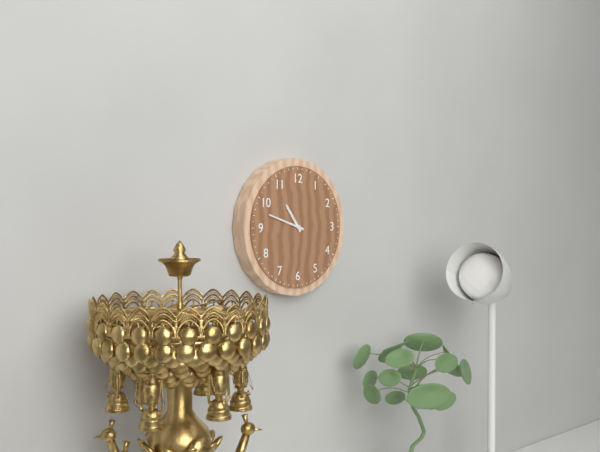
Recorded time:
10,48
